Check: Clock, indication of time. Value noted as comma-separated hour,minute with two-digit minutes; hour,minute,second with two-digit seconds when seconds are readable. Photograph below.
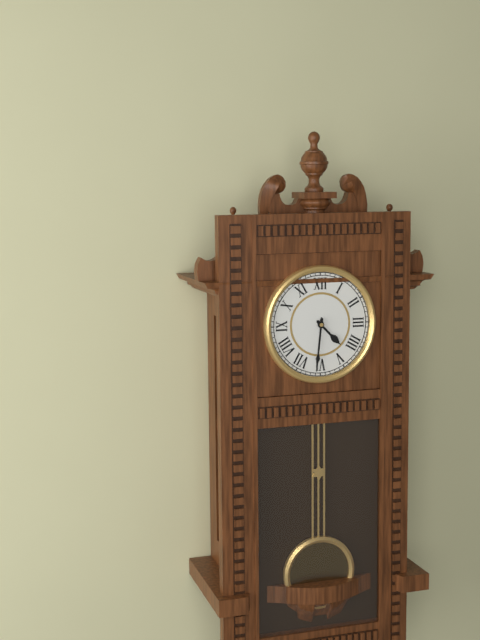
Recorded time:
4,31
